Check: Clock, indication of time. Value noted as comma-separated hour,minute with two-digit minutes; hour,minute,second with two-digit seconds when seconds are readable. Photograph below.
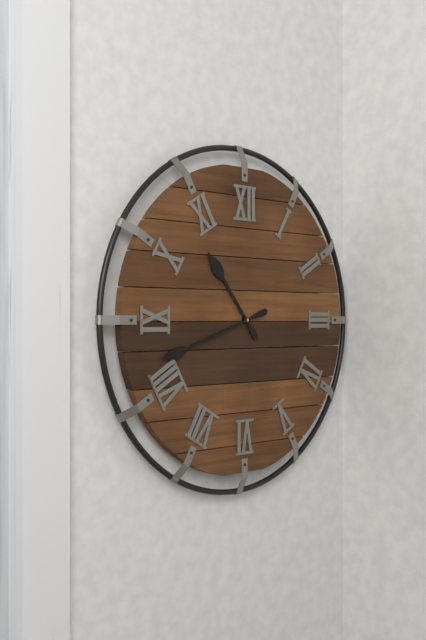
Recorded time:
10,42
